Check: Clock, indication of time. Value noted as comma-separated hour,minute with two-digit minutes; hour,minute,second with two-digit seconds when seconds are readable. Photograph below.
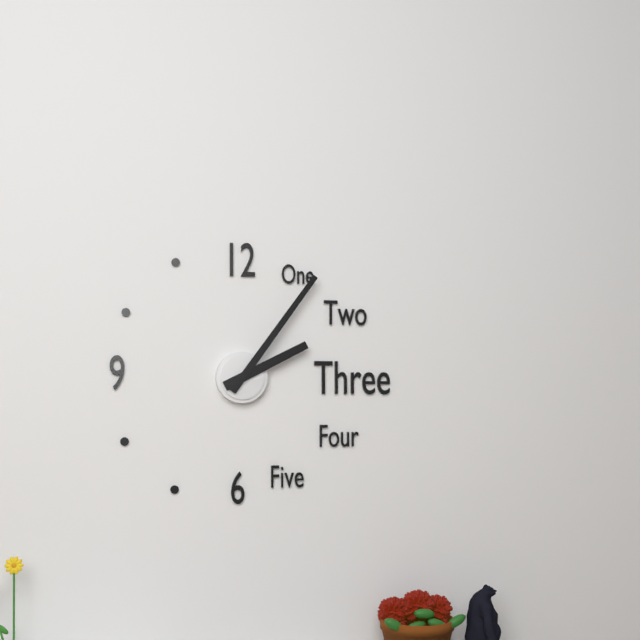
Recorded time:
2,06
